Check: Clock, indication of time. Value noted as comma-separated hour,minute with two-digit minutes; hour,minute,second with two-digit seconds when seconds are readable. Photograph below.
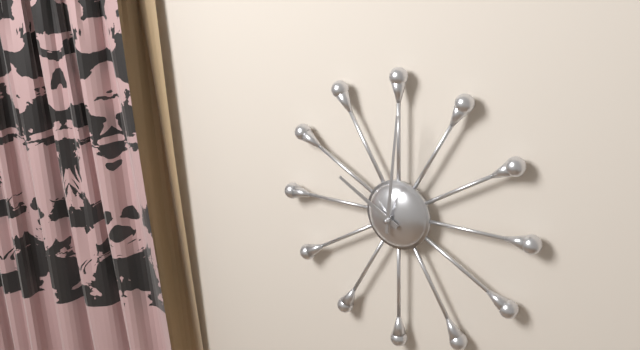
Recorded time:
10,01
